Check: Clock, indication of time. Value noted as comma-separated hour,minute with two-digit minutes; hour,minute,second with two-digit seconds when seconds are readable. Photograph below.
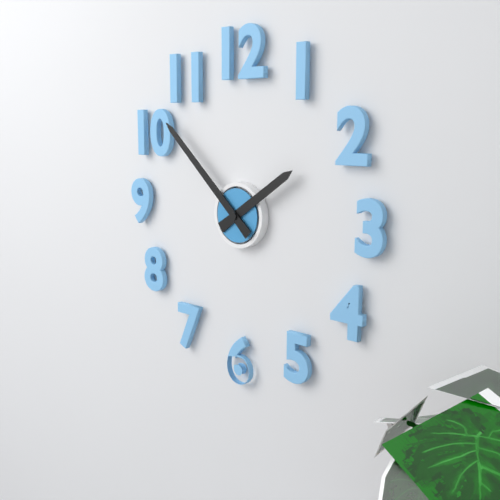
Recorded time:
1,52
